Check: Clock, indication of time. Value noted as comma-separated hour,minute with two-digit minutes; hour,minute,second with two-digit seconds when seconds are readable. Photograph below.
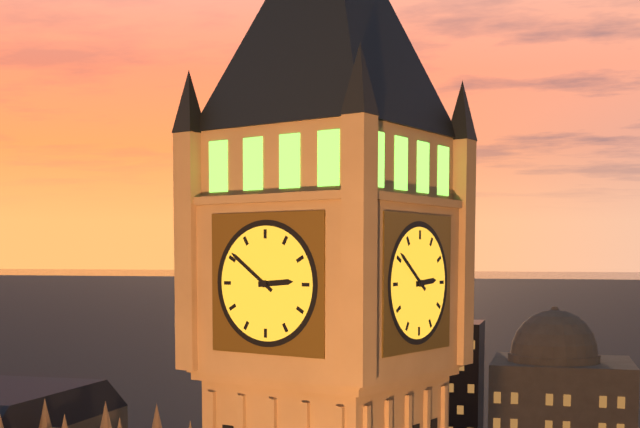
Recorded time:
2,51
